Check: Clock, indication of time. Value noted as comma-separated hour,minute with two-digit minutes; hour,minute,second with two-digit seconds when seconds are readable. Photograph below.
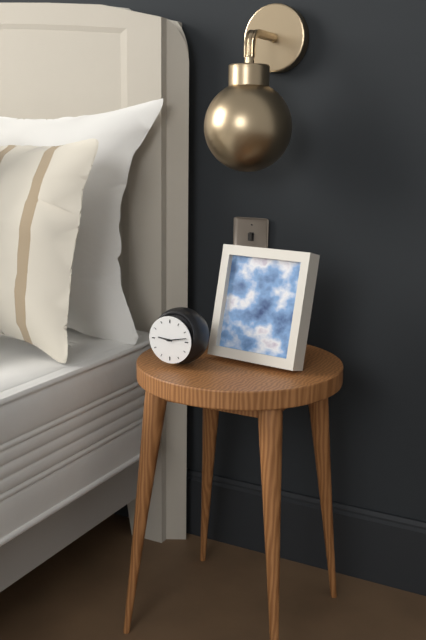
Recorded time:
9,13
